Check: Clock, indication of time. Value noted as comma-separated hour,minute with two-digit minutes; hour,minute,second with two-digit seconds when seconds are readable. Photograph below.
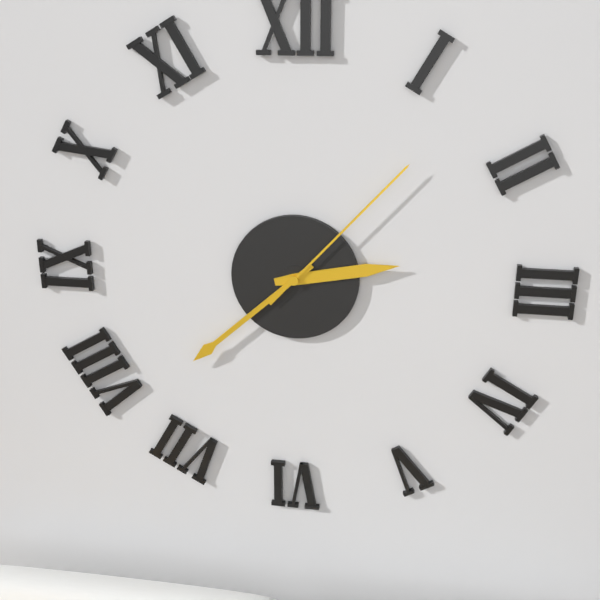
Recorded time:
2,38,07
